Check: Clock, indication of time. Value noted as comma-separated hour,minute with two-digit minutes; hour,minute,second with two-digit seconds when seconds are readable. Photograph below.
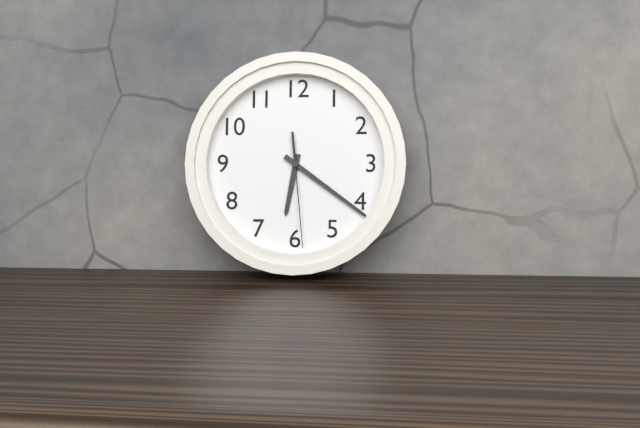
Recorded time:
6,21,29
